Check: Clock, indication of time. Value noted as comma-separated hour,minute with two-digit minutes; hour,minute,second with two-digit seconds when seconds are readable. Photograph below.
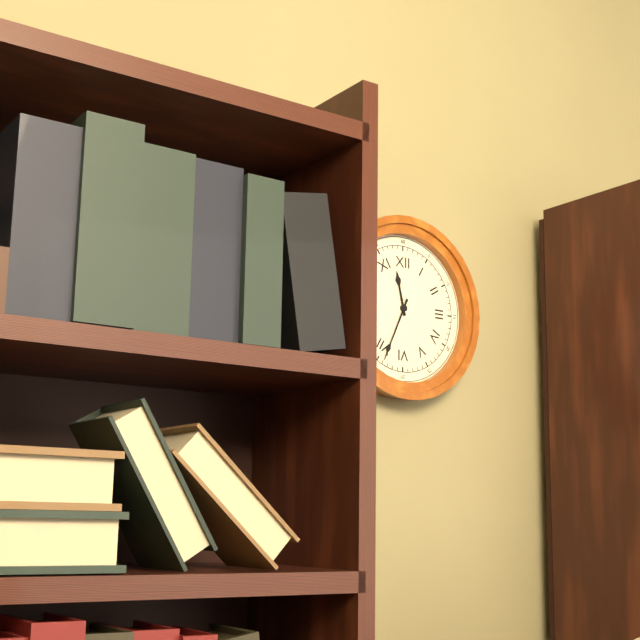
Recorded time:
11,34
